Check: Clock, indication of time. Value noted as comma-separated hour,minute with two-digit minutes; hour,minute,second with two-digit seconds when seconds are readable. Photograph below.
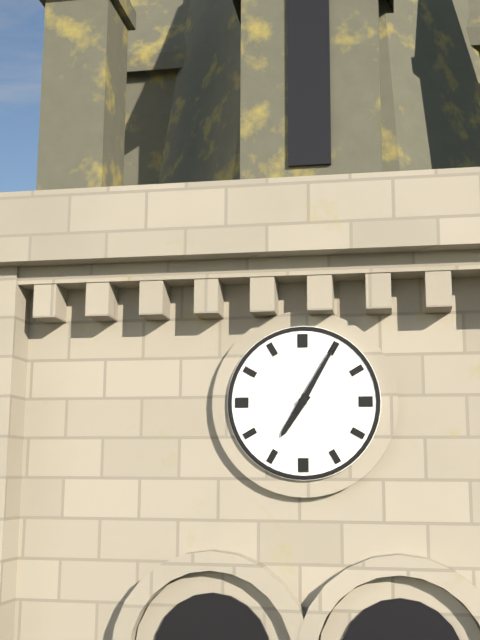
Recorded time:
7,05
